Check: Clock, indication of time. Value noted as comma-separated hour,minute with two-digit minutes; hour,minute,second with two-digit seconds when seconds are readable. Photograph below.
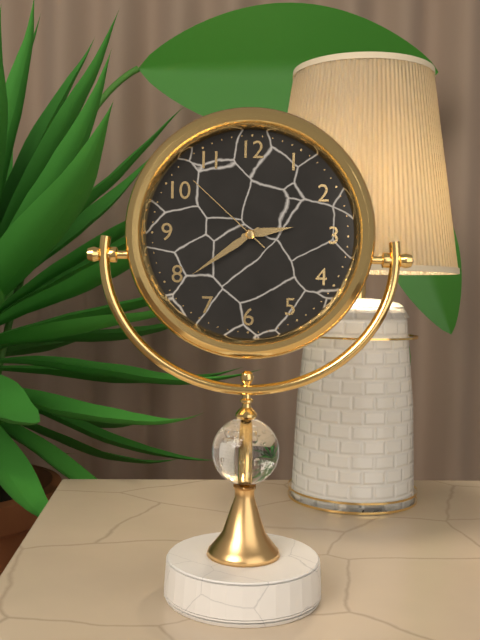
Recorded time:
2,39,52
